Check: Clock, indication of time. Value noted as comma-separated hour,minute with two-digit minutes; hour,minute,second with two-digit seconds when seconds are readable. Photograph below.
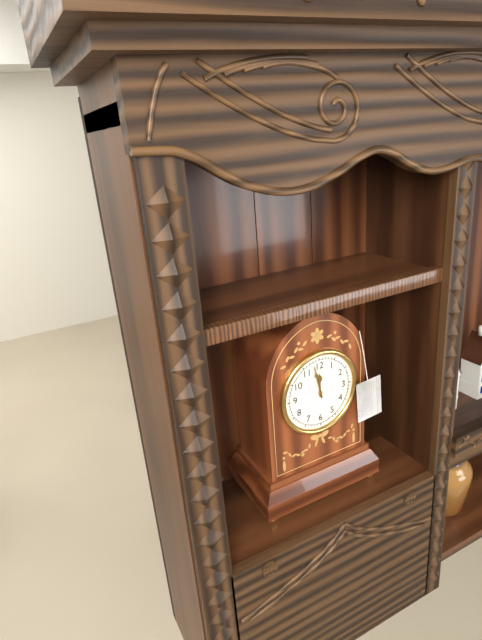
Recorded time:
11,58
